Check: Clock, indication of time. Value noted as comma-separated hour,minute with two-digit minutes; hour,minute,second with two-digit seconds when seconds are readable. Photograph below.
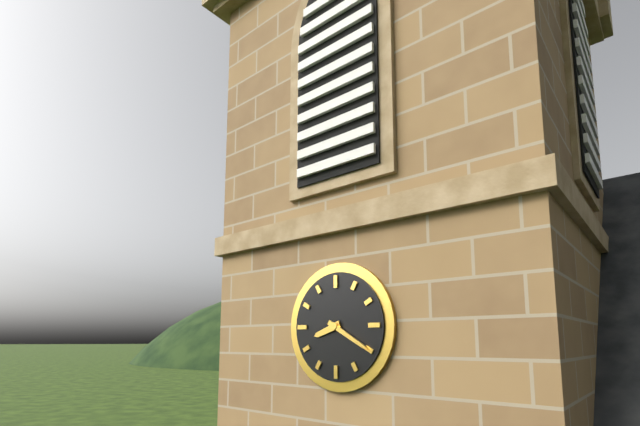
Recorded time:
8,20
